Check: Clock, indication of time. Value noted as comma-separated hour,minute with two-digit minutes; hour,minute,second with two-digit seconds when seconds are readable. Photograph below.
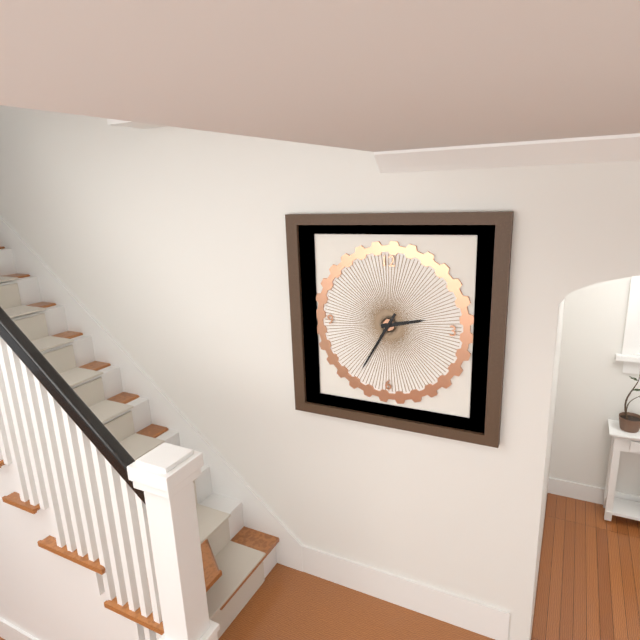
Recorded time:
2,35
